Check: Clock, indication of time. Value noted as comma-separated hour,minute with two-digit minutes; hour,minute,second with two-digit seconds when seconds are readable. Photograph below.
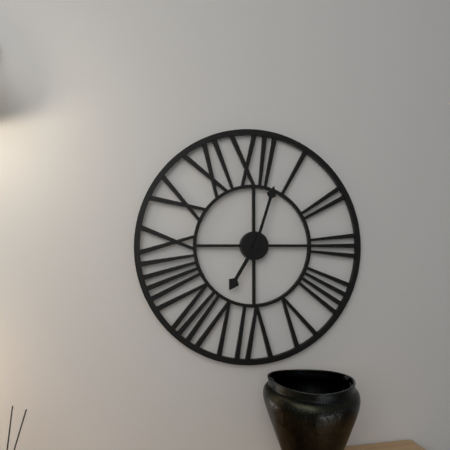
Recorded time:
7,03
